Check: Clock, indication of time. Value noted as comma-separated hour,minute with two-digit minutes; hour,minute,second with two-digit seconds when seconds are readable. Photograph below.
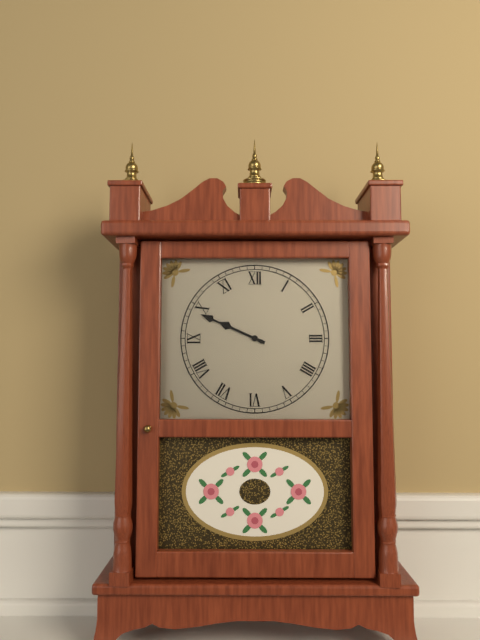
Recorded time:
9,49
